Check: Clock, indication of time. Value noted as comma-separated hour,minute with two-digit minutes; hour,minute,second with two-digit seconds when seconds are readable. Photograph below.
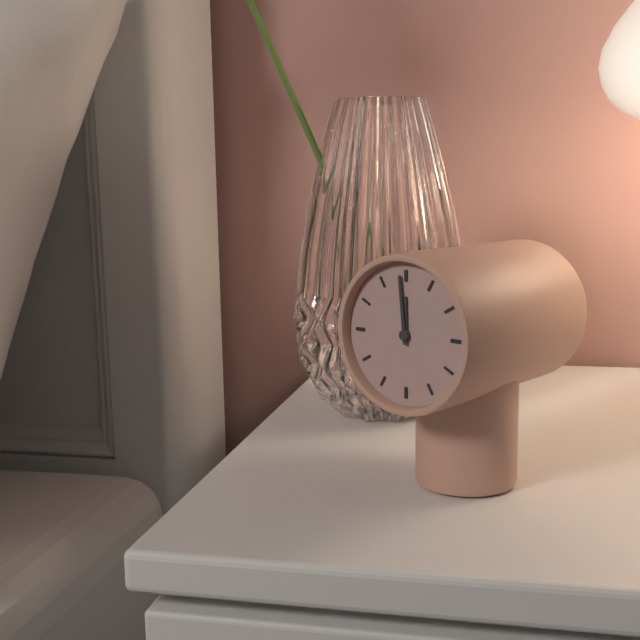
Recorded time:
11,59
